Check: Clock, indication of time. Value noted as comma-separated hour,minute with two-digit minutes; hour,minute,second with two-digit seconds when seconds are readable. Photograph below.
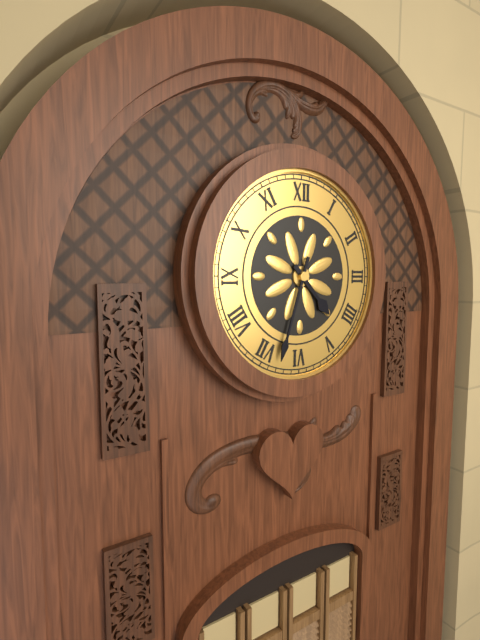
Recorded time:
4,33
